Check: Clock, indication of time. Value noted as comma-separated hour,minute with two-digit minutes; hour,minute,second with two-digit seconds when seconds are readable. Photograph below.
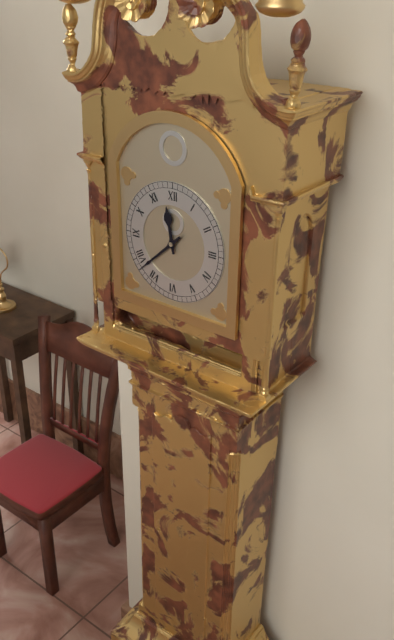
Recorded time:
11,38
